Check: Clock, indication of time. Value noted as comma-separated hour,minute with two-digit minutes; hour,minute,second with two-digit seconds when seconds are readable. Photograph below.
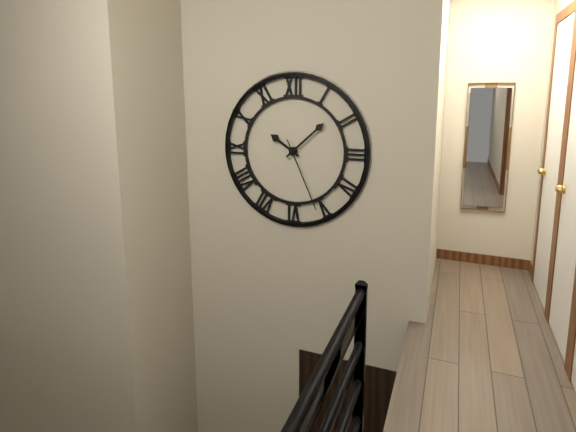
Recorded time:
10,08,26
